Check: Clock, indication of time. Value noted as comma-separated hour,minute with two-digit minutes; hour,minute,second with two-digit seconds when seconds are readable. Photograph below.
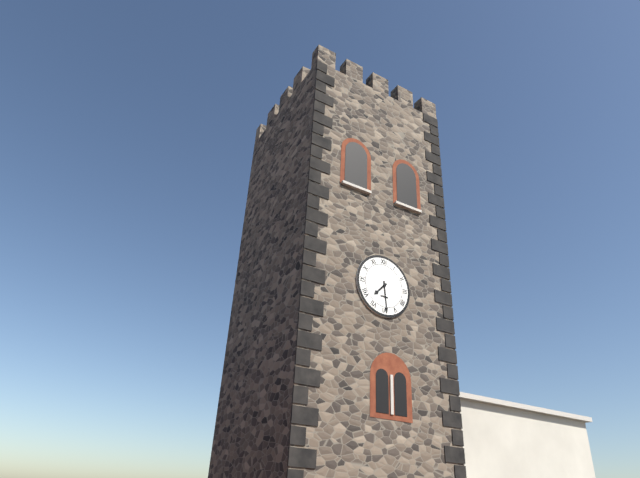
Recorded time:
7,29
